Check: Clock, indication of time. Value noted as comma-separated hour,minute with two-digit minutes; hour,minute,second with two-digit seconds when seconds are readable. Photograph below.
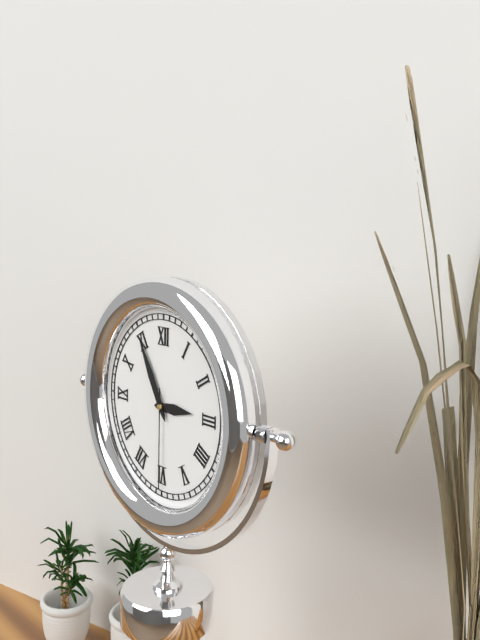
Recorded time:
2,55,30
